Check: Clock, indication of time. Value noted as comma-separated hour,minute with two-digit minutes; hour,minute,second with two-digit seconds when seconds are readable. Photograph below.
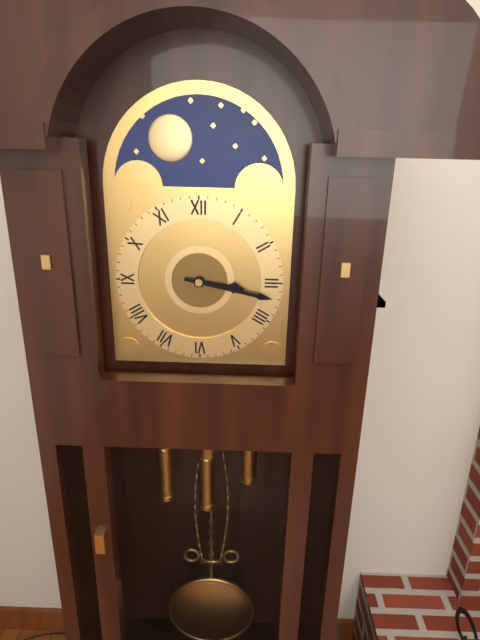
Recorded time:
3,17
